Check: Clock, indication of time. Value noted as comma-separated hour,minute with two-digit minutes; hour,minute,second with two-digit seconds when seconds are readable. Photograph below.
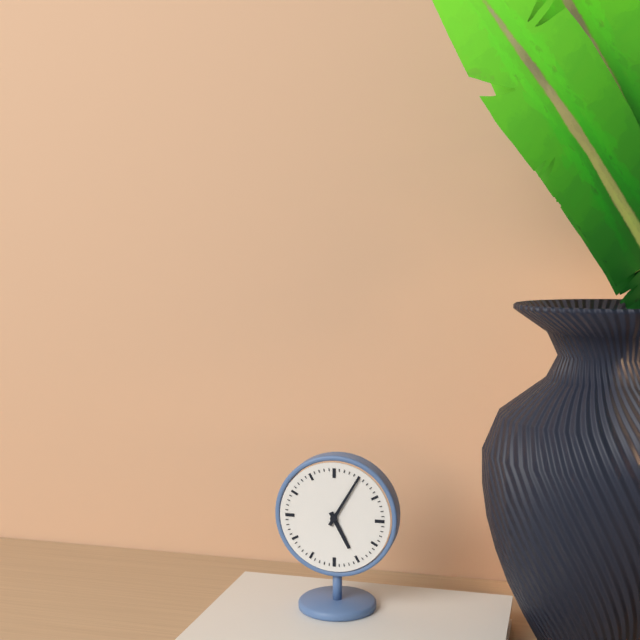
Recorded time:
5,05
